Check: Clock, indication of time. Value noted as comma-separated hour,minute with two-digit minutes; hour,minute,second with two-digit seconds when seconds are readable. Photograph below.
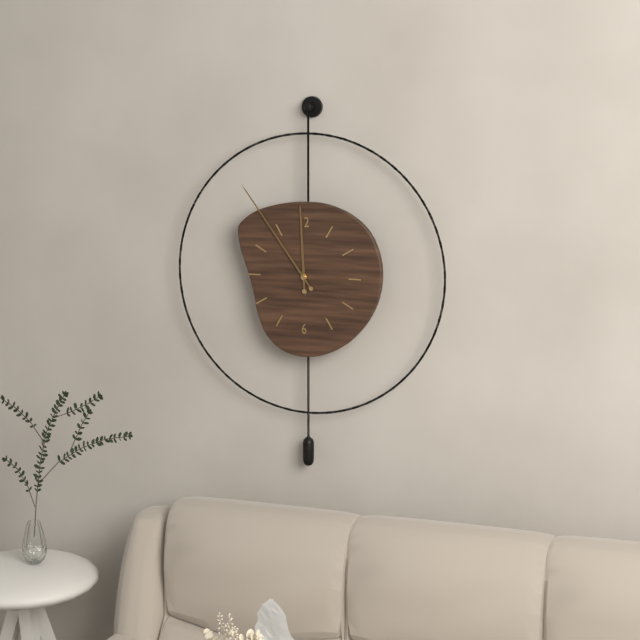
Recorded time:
11,54
